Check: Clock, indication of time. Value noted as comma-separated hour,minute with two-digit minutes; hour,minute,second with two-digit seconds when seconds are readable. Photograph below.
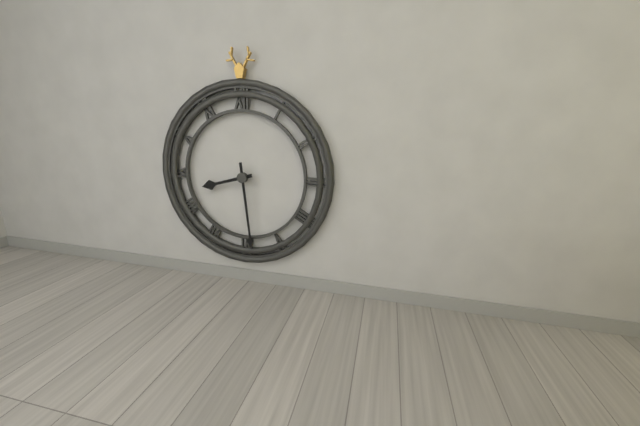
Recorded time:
8,29
